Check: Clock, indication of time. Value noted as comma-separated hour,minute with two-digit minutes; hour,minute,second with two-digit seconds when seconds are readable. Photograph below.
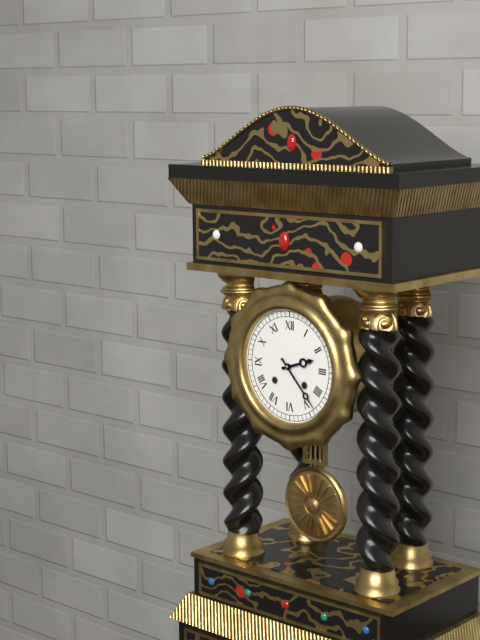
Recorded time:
2,23
